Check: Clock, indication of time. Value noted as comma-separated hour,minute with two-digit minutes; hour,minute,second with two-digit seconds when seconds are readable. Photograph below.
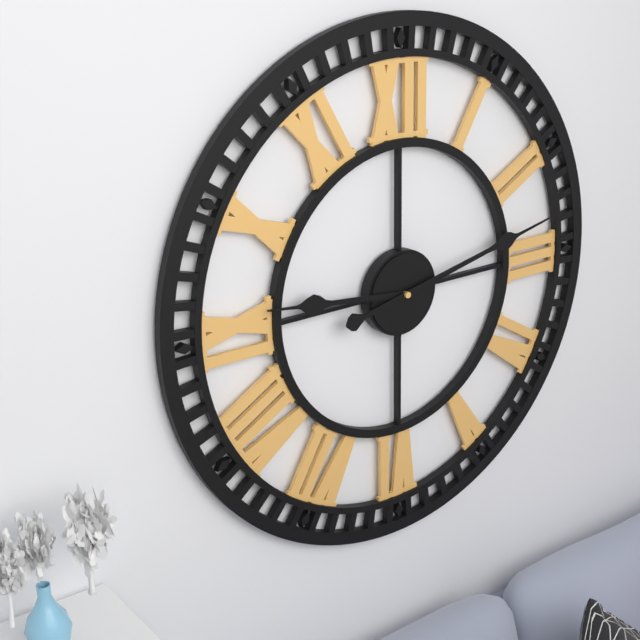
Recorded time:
9,13
